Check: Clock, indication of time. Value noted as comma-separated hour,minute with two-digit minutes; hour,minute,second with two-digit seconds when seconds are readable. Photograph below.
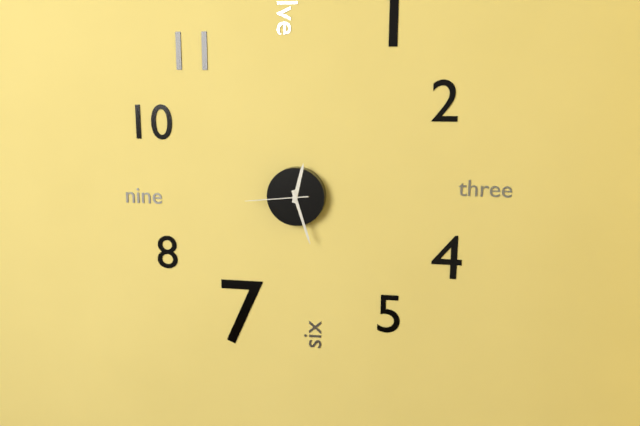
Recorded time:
12,27,44
